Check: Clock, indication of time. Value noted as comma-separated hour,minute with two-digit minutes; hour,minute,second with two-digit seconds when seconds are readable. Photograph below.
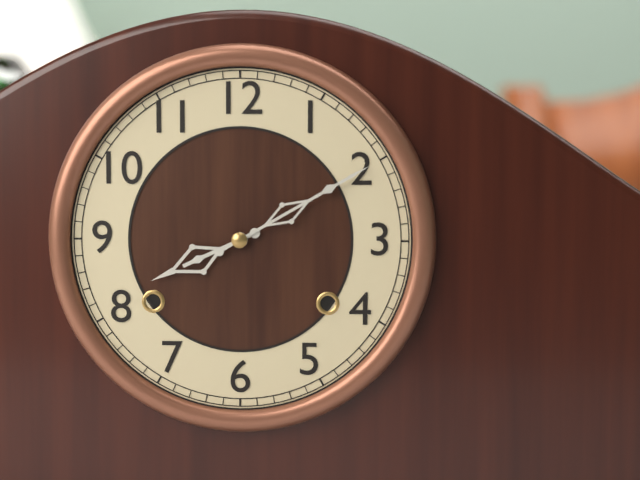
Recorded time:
8,10
